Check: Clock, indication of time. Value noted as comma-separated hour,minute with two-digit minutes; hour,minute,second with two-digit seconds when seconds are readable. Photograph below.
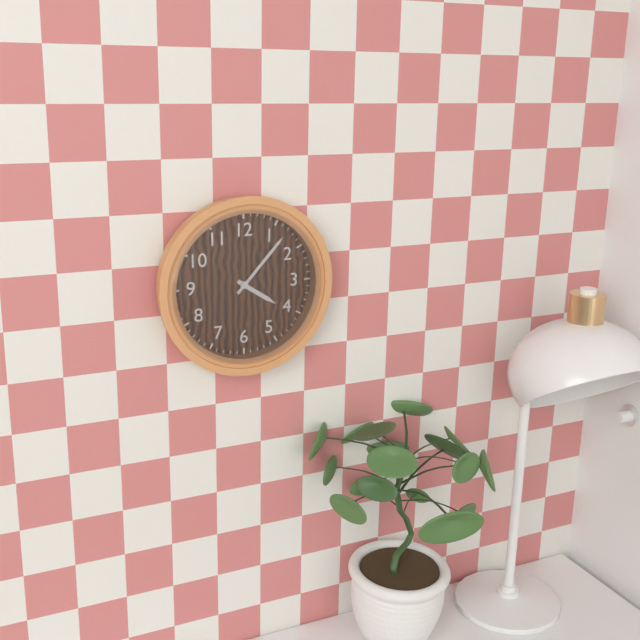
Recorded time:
4,07
